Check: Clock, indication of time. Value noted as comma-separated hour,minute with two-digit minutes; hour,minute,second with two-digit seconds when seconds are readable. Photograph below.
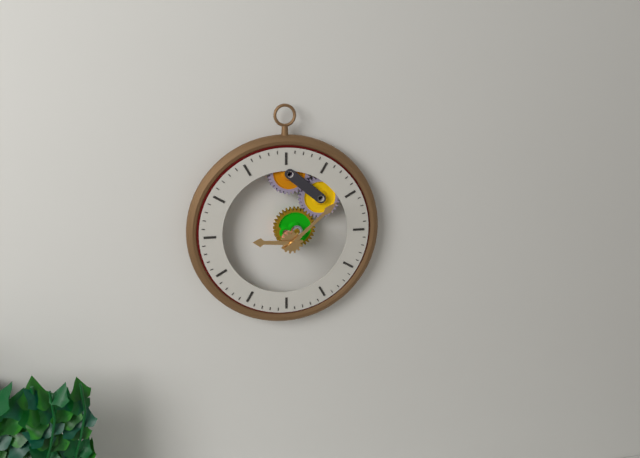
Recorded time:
9,08
